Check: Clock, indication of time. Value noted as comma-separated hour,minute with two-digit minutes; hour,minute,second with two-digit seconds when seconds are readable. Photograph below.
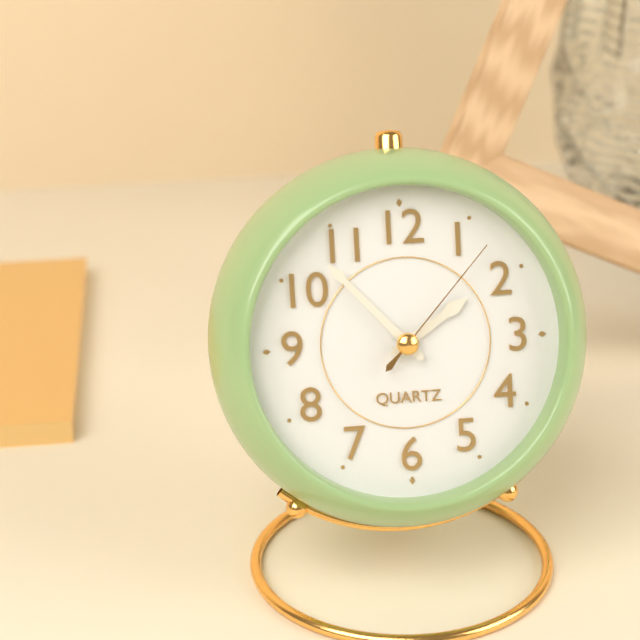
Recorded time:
1,53,07
